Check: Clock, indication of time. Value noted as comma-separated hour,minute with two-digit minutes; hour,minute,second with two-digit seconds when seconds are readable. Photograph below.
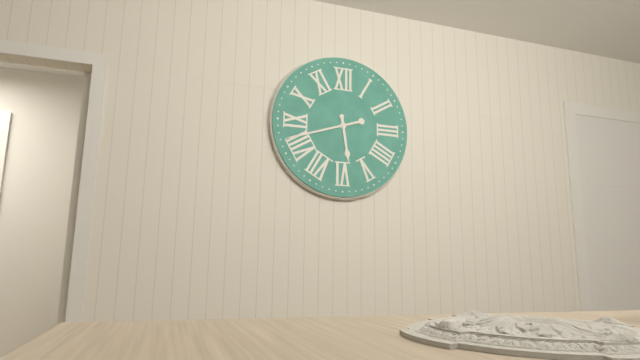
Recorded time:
5,42
